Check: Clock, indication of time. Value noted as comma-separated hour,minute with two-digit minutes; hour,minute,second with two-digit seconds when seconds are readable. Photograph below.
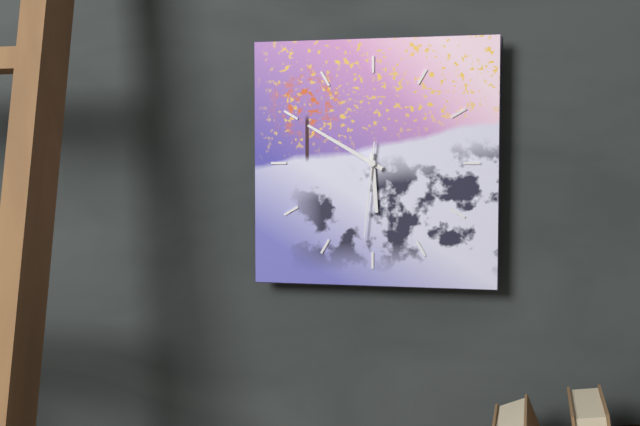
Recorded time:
5,50,31
